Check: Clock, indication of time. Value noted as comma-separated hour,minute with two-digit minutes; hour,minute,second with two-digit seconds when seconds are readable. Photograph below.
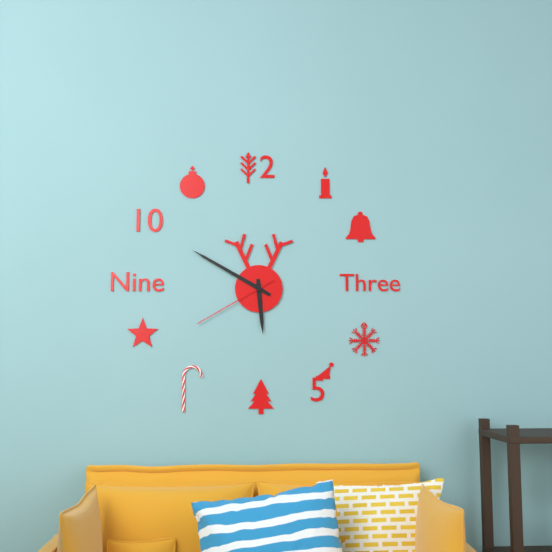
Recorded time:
5,50,40
